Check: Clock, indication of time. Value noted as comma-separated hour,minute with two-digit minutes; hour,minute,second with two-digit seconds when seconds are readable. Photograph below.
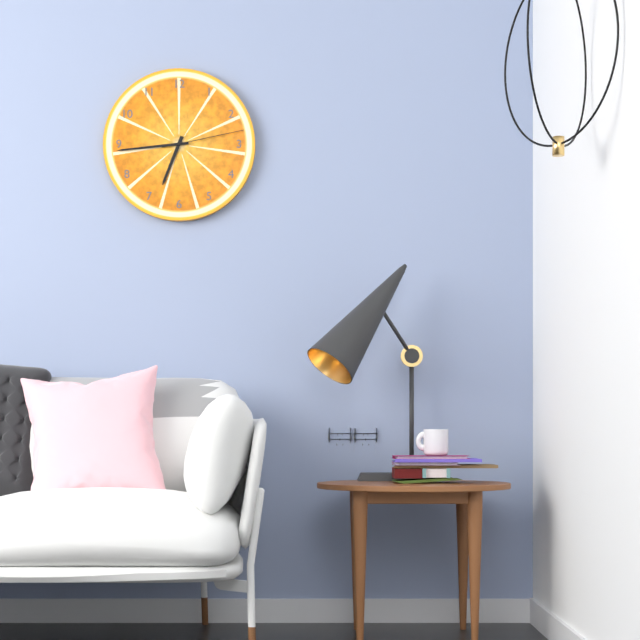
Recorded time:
6,44,13
